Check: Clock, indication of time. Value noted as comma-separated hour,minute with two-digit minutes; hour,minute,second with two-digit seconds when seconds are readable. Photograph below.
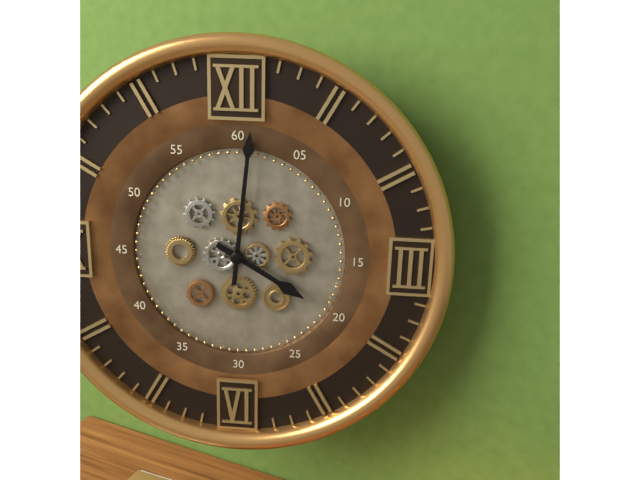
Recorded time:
4,01
